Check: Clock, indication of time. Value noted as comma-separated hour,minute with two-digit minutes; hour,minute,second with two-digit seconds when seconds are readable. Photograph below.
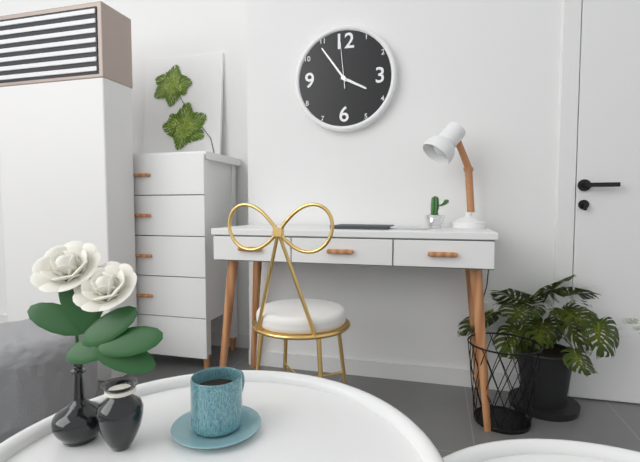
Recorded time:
3,54
